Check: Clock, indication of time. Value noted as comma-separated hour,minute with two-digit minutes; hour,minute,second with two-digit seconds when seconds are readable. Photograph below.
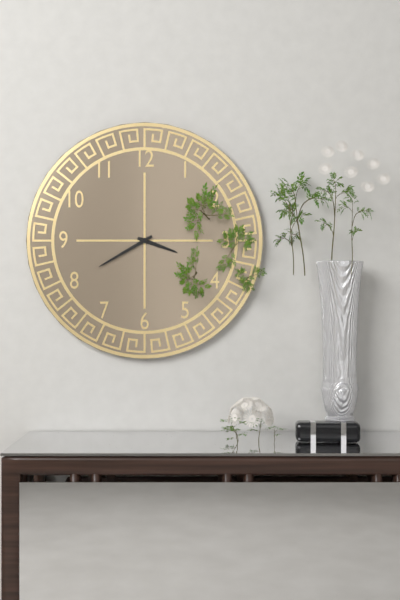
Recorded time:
3,40
